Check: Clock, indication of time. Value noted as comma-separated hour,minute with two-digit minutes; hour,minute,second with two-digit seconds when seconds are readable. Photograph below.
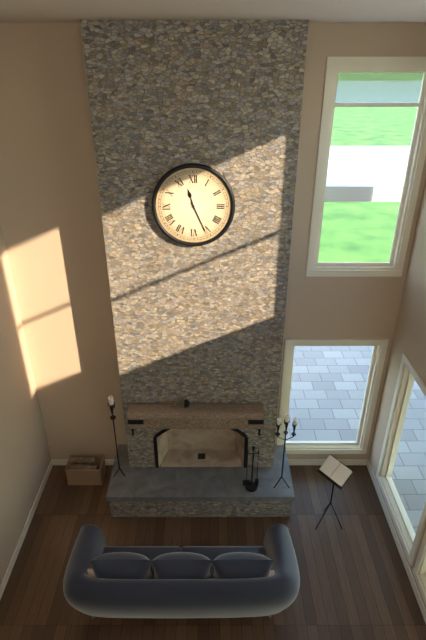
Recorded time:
11,26
